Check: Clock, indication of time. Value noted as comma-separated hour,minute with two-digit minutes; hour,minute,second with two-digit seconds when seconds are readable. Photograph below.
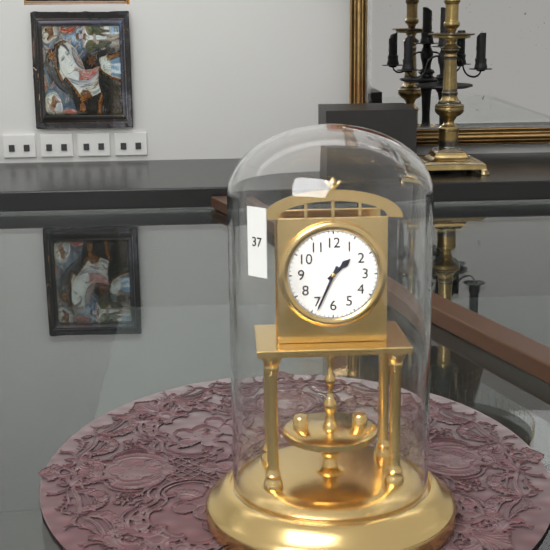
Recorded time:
1,34
